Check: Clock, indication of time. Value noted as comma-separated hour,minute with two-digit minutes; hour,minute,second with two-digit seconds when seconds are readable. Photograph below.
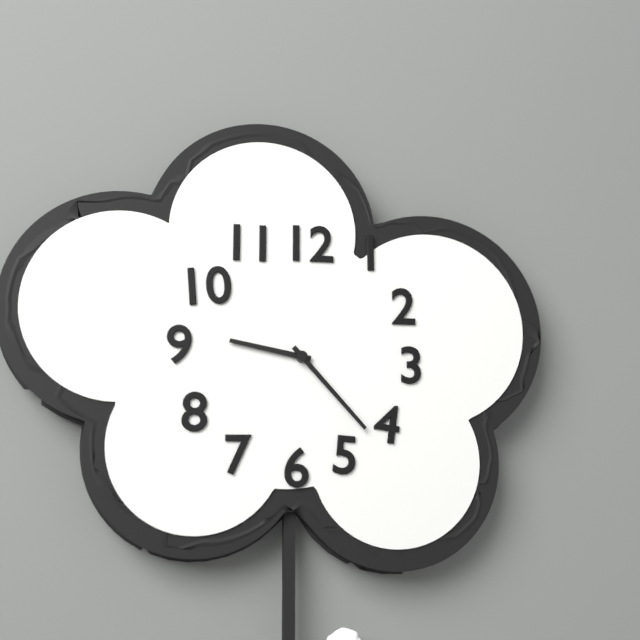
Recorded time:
9,23
